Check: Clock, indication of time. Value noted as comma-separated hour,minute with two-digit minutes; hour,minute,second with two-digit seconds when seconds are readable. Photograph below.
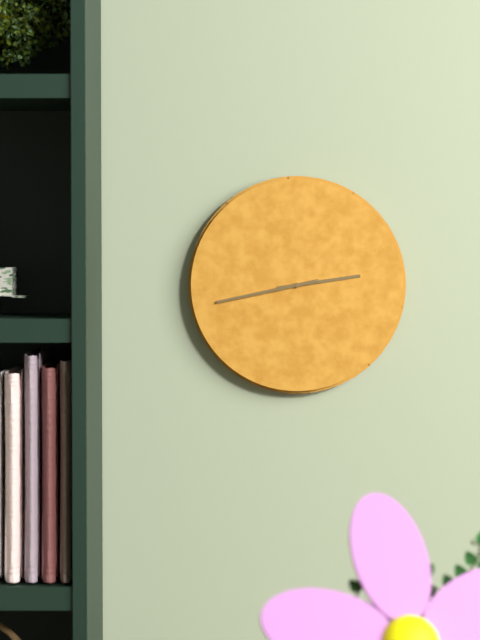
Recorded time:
2,43
